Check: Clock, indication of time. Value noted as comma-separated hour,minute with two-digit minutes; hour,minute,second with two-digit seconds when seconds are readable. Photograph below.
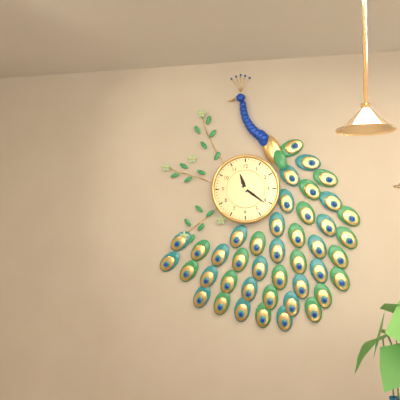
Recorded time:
11,21
